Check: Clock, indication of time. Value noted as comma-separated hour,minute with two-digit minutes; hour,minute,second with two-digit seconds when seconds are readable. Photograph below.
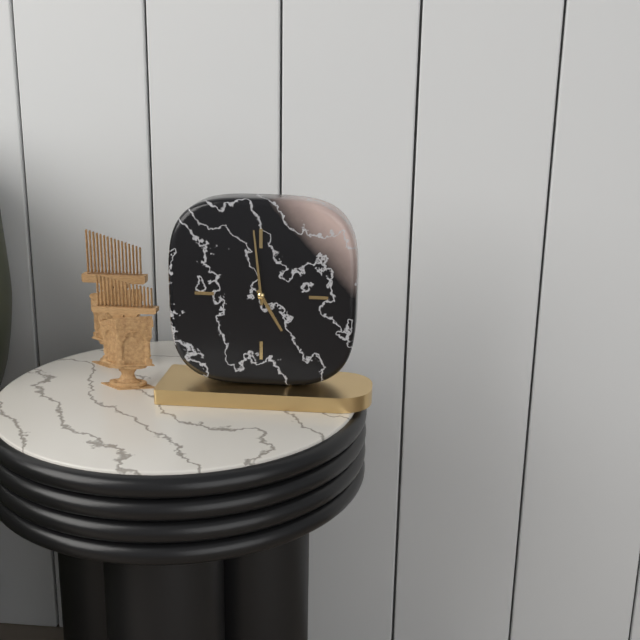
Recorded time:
4,59
